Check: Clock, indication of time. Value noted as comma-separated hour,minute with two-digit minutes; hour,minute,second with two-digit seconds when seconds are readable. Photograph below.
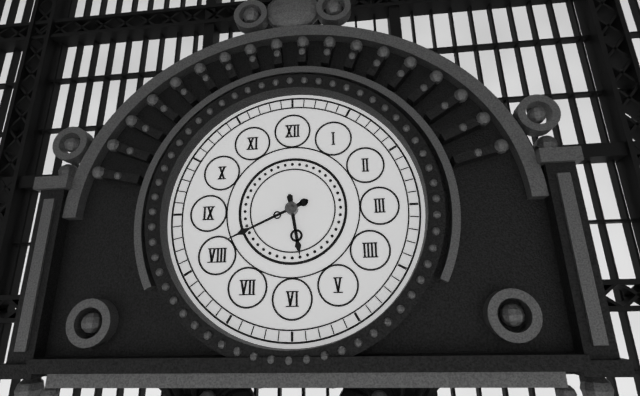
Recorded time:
5,41
